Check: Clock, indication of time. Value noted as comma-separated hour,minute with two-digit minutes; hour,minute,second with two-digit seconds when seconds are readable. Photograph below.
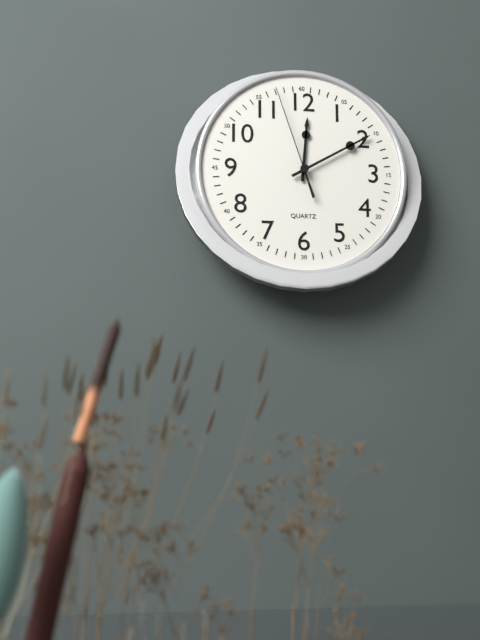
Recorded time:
12,10,57
